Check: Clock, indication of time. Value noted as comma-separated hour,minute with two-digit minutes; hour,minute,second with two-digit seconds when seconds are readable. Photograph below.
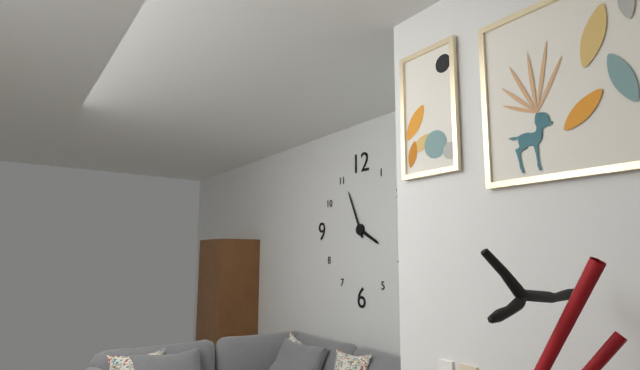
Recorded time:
3,56
